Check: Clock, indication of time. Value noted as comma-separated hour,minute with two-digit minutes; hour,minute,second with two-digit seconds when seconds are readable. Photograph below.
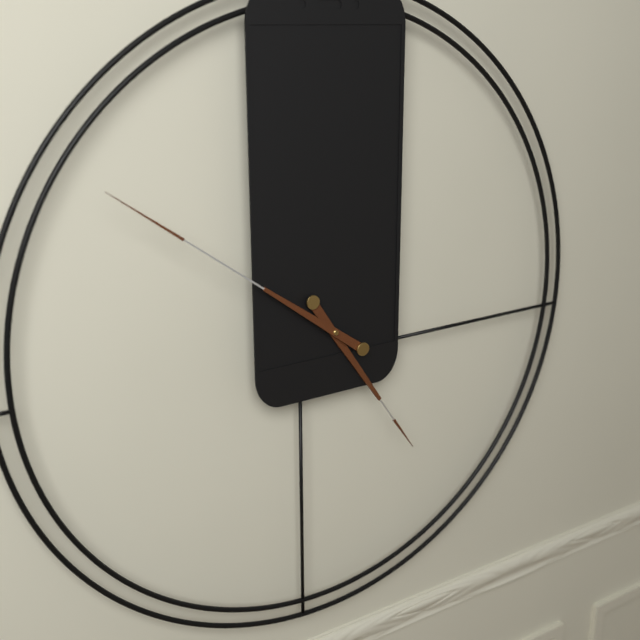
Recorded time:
4,51
